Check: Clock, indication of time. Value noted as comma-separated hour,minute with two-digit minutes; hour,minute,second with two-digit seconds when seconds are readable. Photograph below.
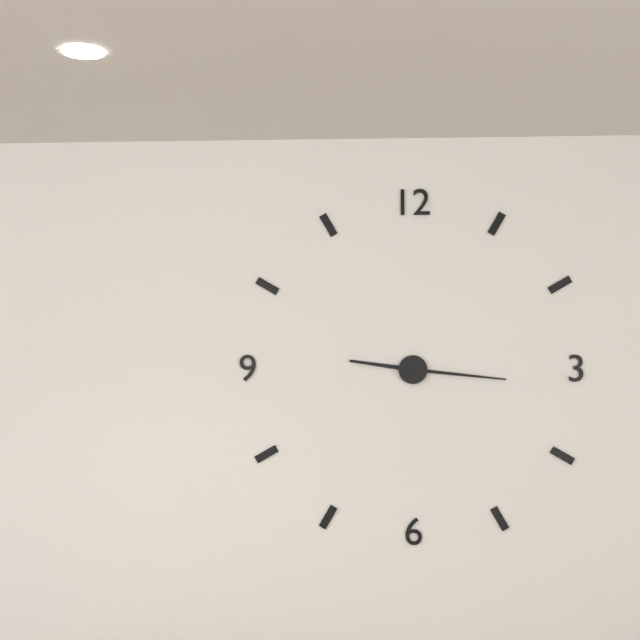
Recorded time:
9,16
